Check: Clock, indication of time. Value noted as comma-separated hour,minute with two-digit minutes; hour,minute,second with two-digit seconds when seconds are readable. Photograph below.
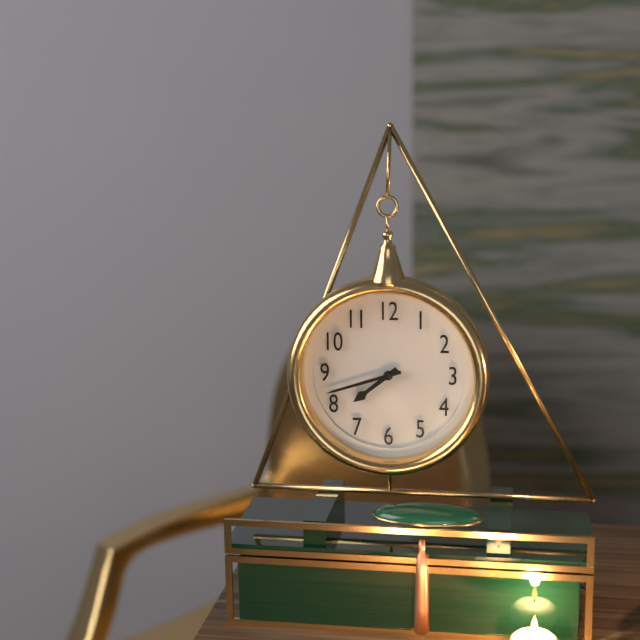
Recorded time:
7,42
